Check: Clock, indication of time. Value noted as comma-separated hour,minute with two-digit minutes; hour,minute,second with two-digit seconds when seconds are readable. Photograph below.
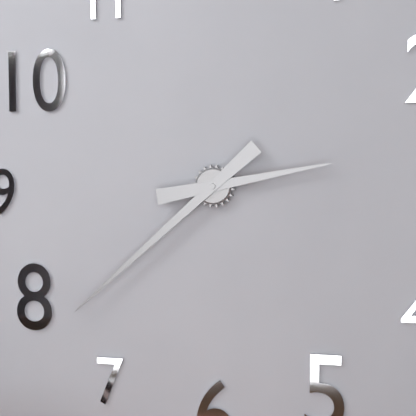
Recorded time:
2,38
